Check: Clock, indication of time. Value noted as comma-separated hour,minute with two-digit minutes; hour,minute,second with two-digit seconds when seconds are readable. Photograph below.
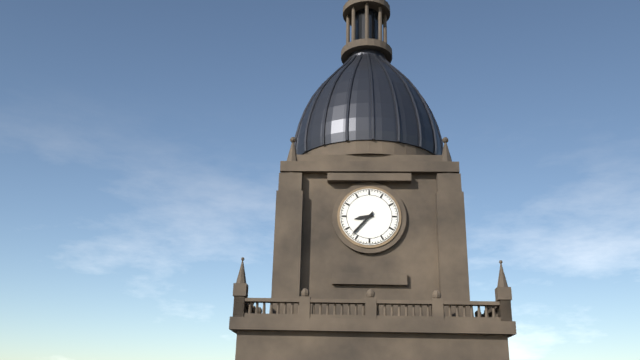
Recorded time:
8,37
